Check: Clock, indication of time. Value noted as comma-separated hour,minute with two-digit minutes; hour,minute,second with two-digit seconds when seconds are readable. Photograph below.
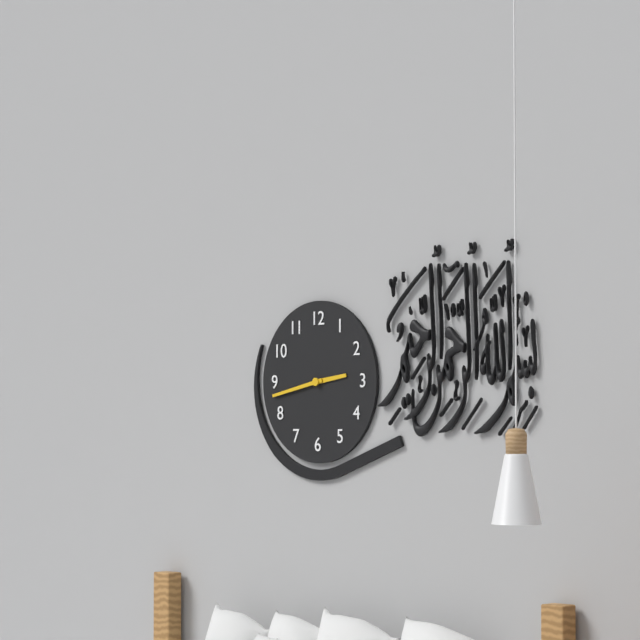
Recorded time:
2,43
